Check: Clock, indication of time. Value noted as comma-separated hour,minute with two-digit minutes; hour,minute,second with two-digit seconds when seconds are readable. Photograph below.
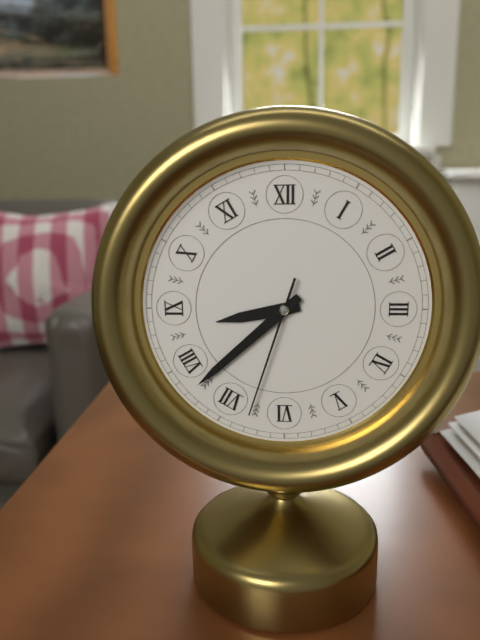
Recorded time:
8,38,33
